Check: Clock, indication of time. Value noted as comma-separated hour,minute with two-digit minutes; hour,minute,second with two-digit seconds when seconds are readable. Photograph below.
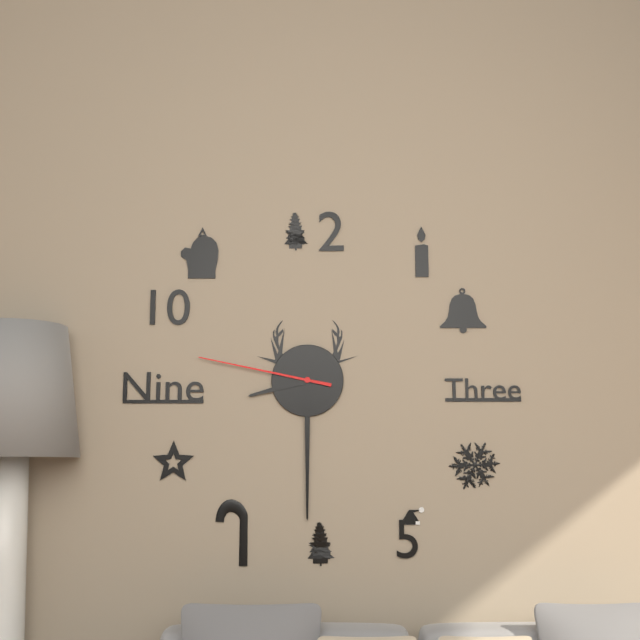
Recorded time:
8,30,47
